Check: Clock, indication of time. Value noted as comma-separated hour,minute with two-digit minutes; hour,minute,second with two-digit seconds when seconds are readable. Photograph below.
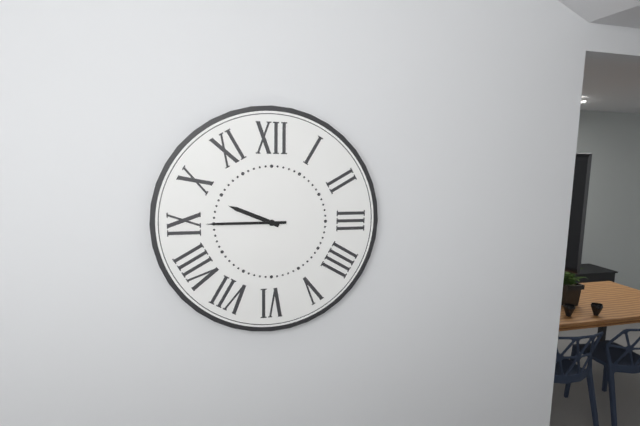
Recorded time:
9,45
